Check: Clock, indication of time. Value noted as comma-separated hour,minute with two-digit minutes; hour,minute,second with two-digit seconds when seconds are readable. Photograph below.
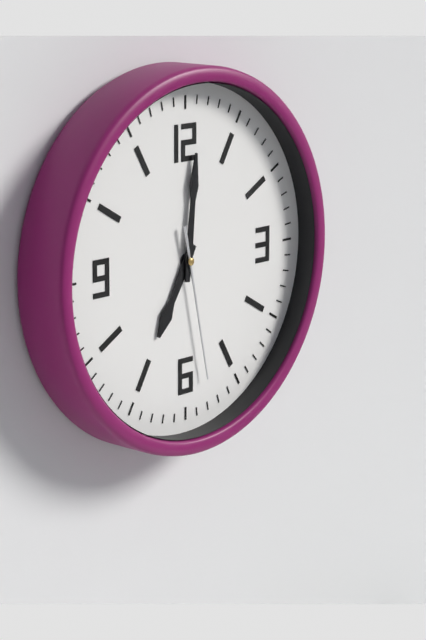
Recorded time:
7,01,28
